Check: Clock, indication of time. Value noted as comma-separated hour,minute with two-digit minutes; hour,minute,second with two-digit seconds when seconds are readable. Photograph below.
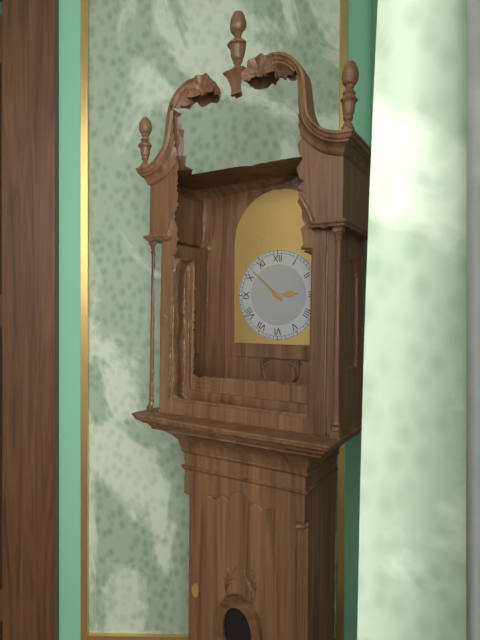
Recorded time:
2,52
